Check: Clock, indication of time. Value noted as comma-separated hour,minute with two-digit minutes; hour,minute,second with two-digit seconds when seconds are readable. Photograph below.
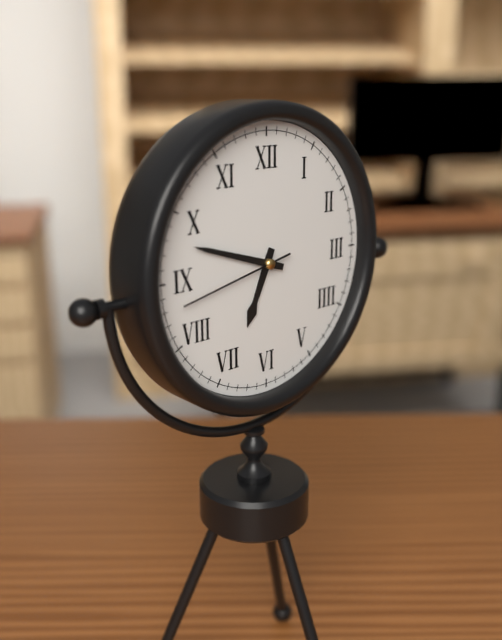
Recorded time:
6,48,43
